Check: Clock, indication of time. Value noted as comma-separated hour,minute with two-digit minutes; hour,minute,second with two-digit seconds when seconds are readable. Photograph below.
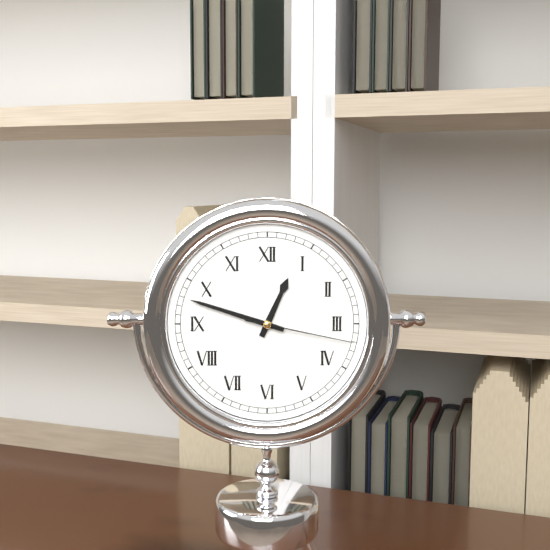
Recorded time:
12,48,17
